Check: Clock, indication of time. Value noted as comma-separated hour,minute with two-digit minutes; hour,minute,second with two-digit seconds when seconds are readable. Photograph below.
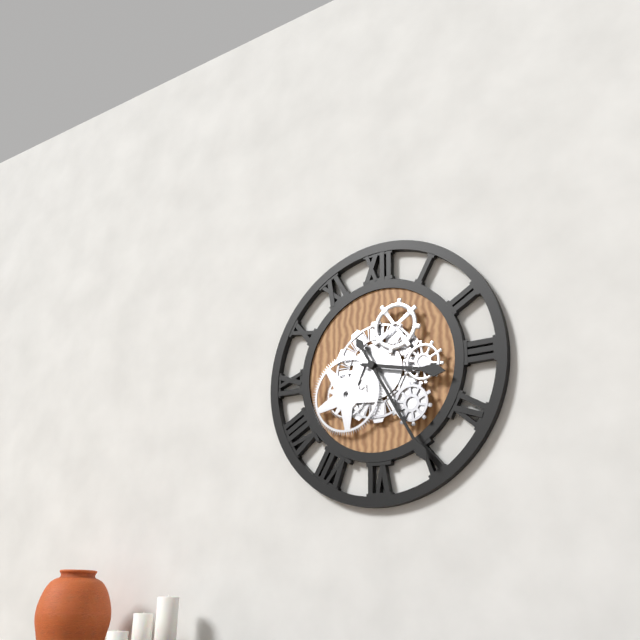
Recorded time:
3,25
